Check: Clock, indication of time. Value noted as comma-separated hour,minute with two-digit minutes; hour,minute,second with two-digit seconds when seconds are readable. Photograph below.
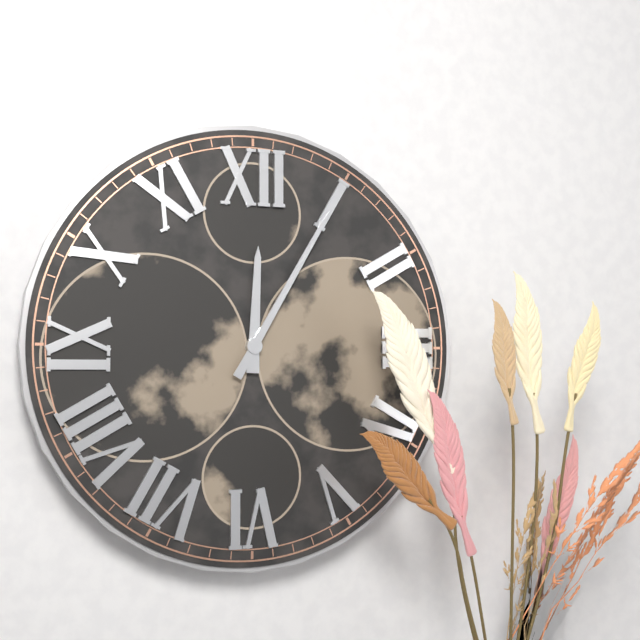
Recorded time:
12,05
